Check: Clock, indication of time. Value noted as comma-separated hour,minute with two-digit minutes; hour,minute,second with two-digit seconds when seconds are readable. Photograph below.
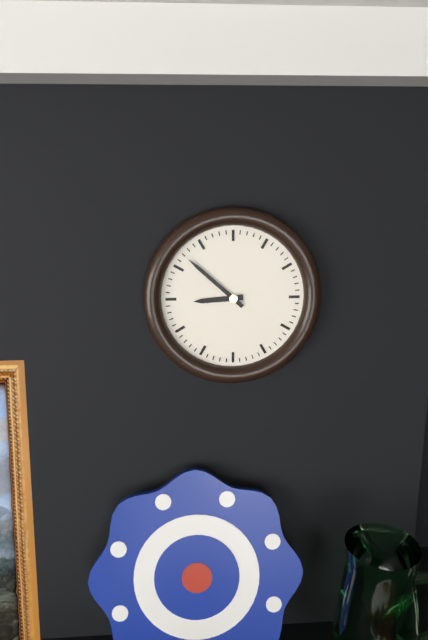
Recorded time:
8,52
